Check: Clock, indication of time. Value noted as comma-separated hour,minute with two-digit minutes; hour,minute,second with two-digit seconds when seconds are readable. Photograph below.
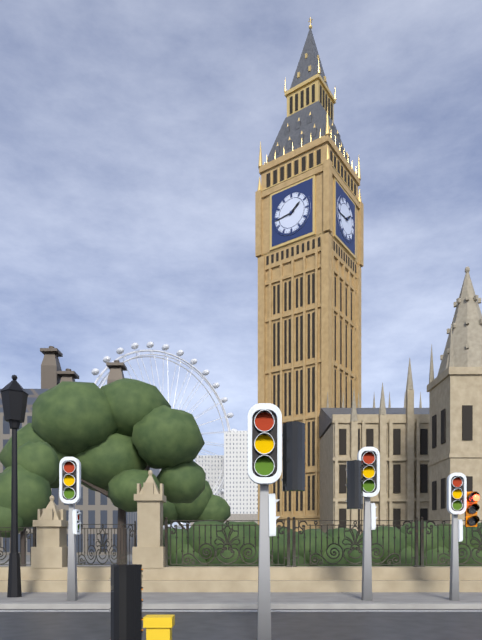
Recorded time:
1,44
